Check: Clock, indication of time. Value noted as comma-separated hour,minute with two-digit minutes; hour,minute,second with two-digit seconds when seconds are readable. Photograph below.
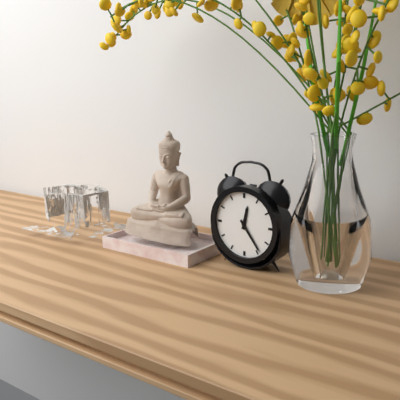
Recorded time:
12,24
